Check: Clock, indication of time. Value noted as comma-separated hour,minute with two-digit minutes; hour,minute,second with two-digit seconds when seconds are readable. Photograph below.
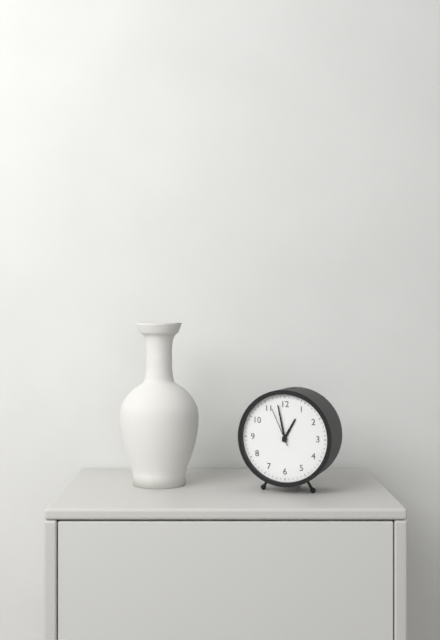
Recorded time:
12,58
